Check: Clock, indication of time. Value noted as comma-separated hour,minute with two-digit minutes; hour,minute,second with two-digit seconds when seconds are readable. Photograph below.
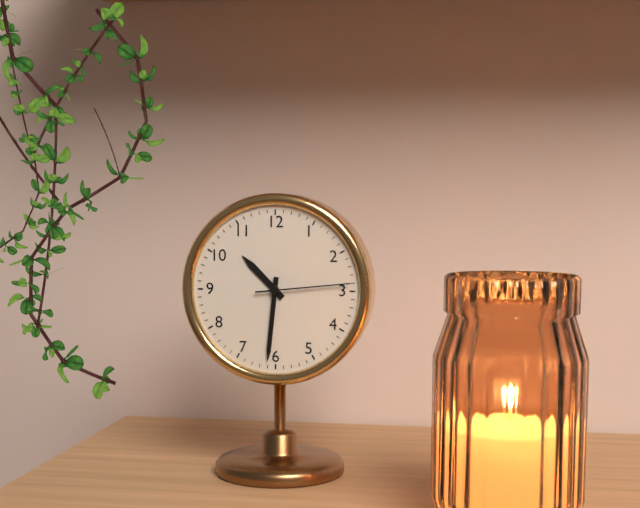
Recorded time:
10,31,14
